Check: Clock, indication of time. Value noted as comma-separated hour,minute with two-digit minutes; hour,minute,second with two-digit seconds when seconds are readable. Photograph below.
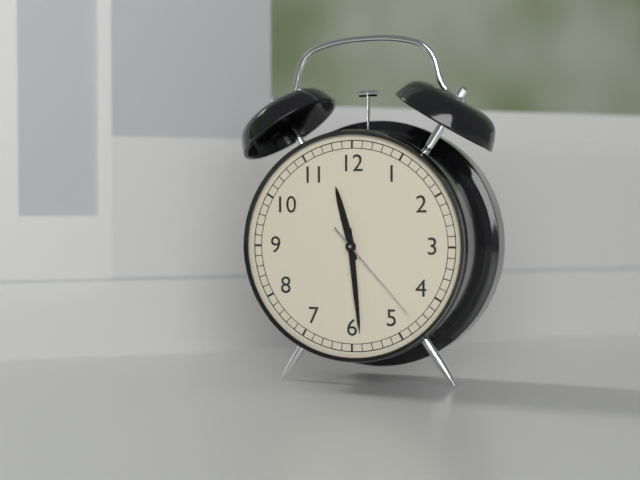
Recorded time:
11,29,23
